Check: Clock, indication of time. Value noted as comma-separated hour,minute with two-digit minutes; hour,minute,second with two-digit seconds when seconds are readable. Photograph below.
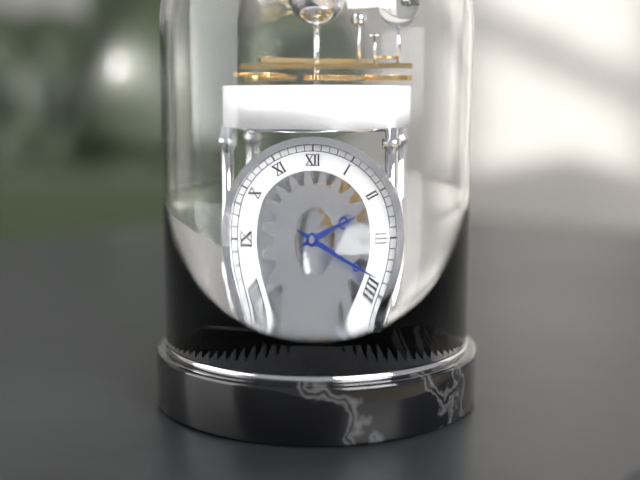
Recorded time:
2,19
